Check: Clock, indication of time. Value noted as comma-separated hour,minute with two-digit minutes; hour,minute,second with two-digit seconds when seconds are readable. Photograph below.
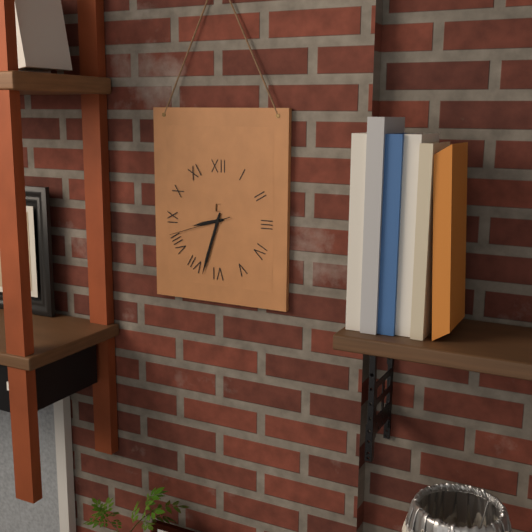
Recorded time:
8,33,42
